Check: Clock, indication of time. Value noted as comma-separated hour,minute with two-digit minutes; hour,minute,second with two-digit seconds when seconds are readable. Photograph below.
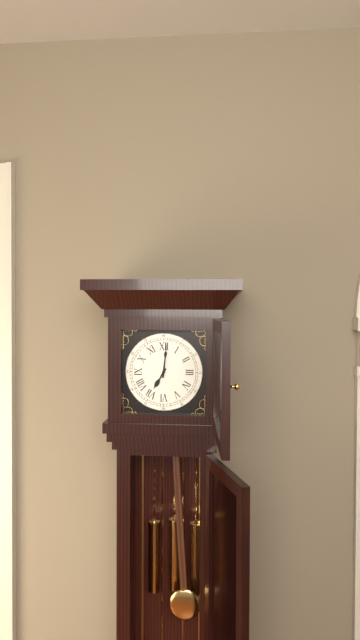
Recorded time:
7,01
